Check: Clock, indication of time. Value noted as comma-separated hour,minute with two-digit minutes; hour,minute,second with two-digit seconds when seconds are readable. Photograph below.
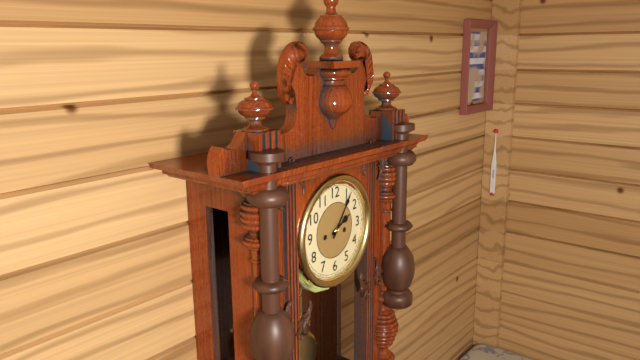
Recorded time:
2,06
